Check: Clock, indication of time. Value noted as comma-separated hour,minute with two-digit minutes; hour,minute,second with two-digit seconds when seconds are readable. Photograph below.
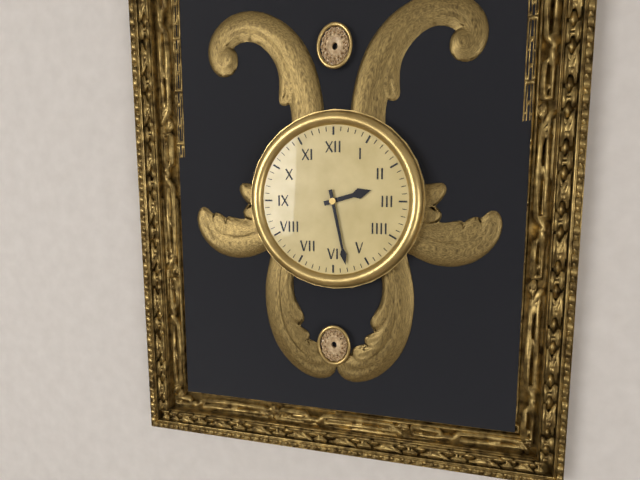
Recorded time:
2,28
